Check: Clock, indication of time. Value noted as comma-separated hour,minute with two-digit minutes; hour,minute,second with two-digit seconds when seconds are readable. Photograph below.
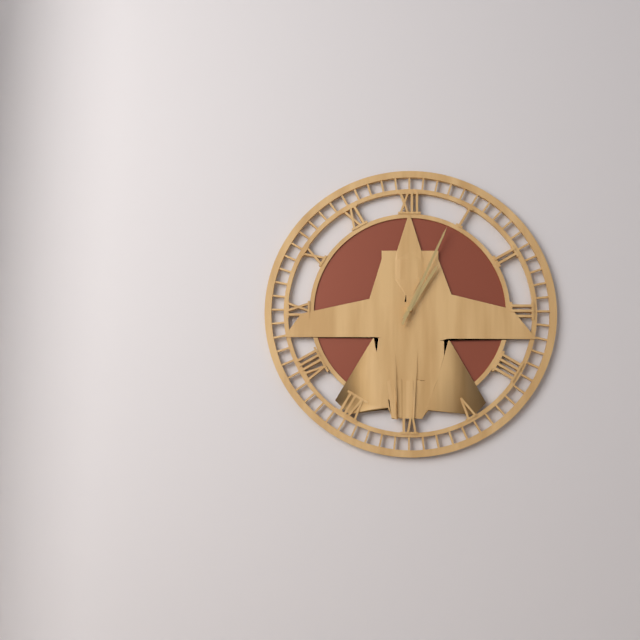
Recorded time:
1,04
